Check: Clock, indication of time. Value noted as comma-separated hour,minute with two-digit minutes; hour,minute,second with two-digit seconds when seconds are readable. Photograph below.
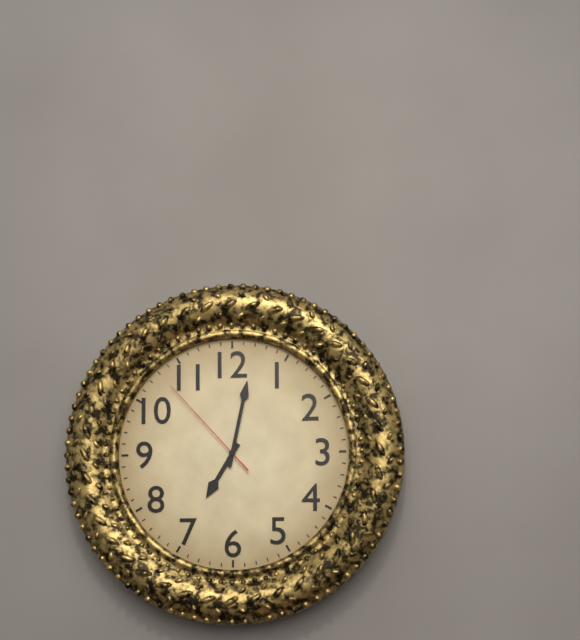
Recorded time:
7,02,53
